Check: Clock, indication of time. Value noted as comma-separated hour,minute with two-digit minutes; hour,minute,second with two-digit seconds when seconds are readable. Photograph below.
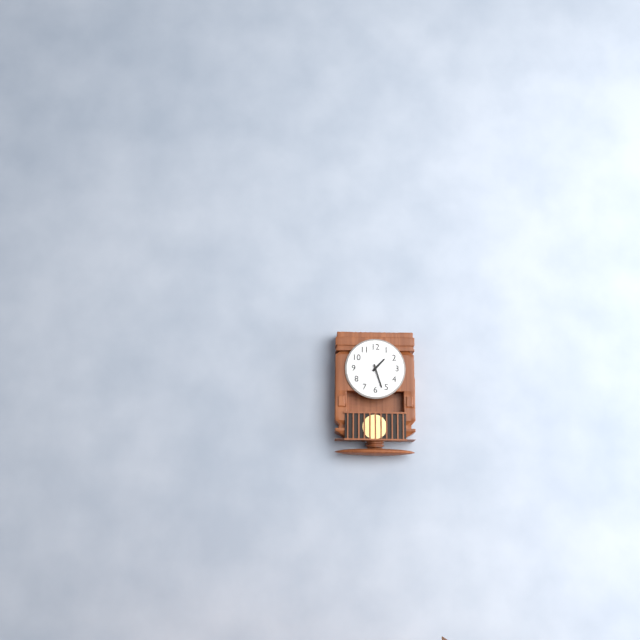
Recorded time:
1,27
